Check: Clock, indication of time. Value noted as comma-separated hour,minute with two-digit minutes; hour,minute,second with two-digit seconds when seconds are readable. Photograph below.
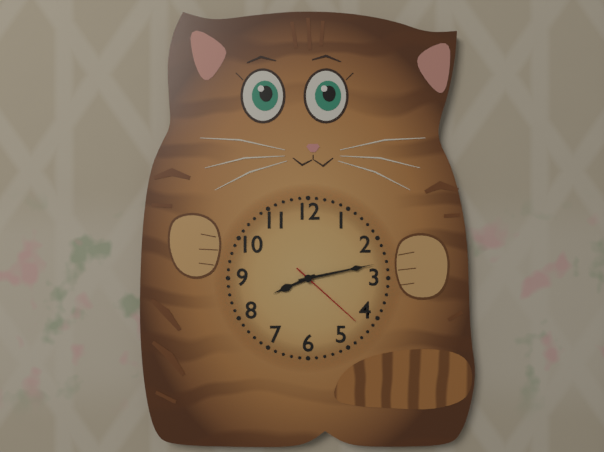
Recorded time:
8,13,22
